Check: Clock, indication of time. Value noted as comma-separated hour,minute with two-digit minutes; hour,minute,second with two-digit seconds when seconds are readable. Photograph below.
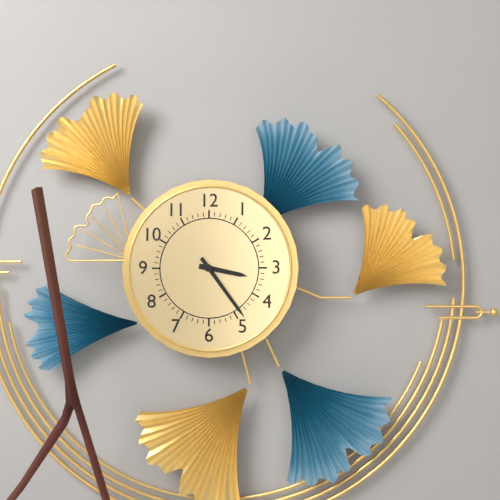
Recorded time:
3,24
